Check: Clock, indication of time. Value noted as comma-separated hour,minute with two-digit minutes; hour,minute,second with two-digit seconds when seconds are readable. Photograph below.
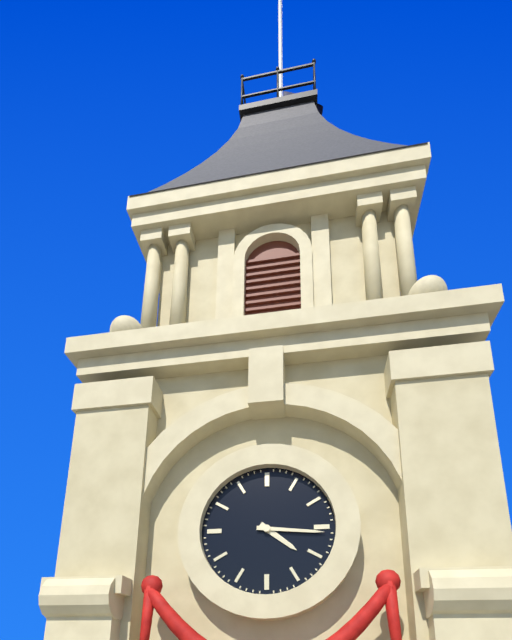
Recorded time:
4,16
